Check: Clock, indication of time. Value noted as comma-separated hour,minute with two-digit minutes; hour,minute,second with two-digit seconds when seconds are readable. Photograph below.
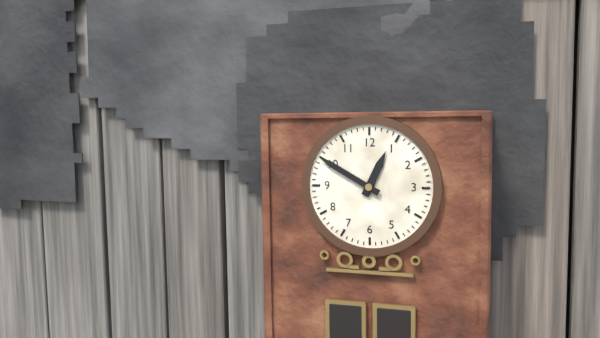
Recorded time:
12,50
